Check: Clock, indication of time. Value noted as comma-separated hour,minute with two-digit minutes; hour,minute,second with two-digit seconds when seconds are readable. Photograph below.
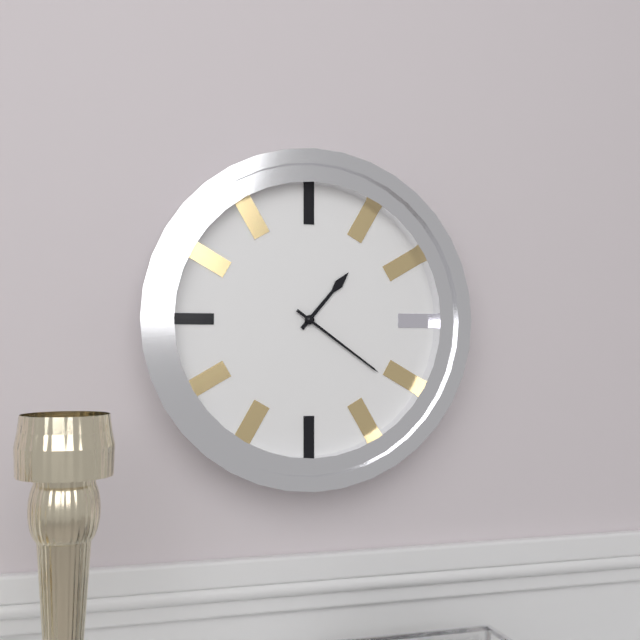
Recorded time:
1,21
